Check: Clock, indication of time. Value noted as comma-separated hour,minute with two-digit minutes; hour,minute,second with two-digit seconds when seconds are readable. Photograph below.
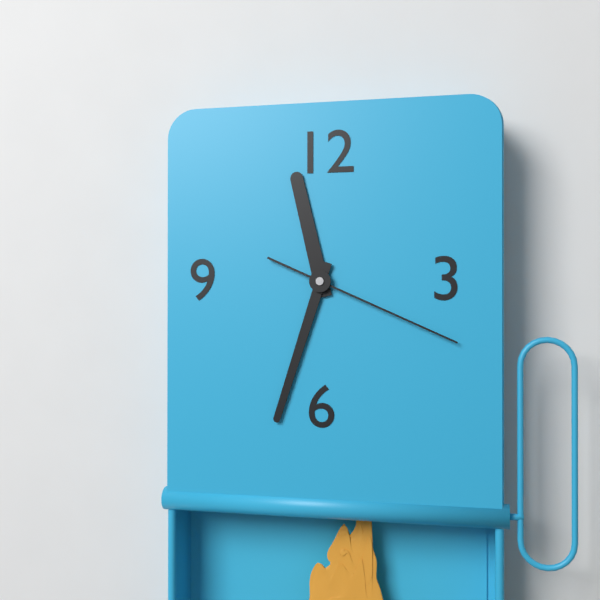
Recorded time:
11,33,19
